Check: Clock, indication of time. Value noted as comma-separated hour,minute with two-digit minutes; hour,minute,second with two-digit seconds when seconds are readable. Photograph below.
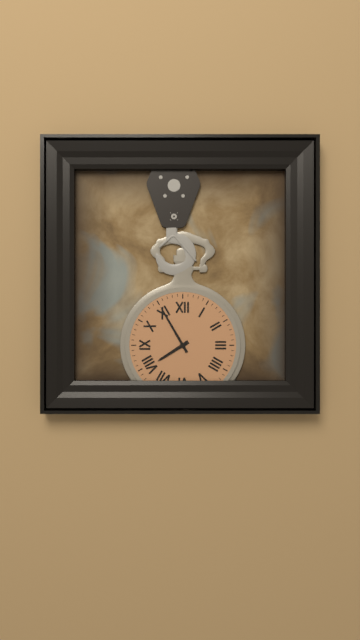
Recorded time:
7,55
